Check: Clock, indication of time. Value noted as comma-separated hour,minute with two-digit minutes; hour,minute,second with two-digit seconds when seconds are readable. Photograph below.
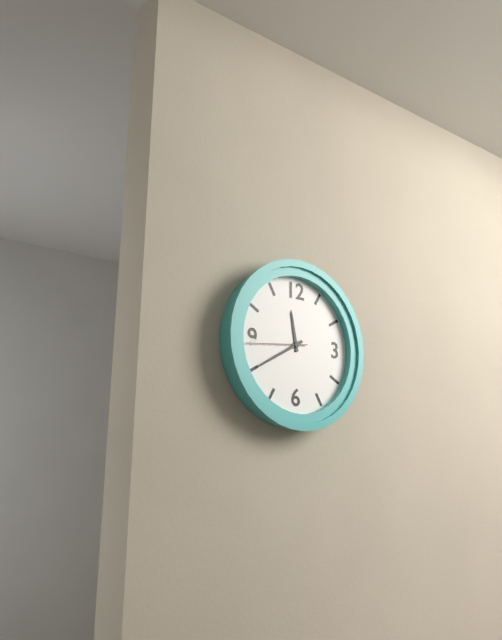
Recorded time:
11,40,44
